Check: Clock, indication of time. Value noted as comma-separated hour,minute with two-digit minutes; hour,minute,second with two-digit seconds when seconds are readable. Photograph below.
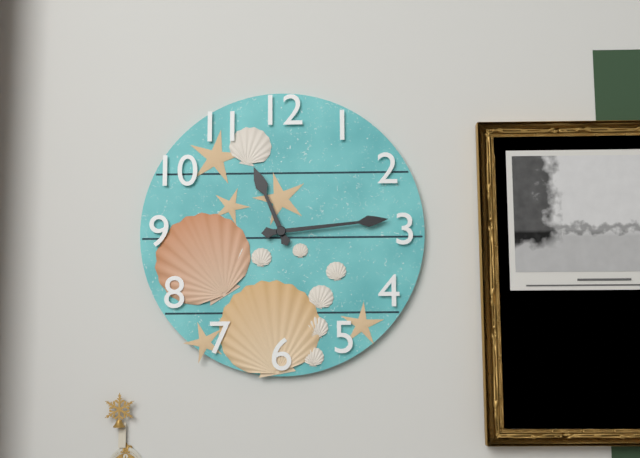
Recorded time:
11,14
